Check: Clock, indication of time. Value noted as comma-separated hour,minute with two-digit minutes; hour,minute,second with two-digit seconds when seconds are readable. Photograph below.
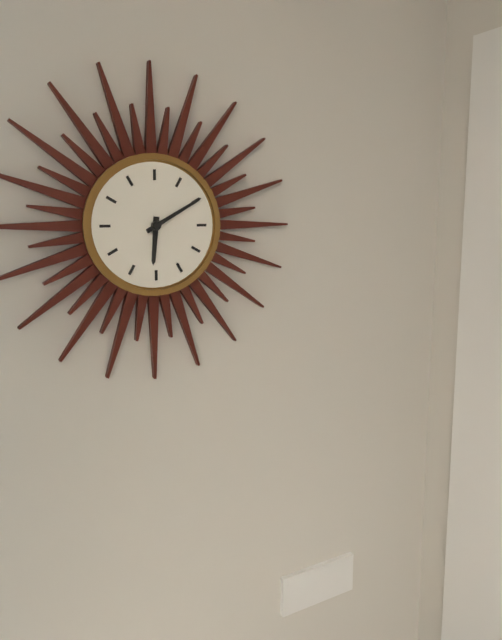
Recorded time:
6,10
